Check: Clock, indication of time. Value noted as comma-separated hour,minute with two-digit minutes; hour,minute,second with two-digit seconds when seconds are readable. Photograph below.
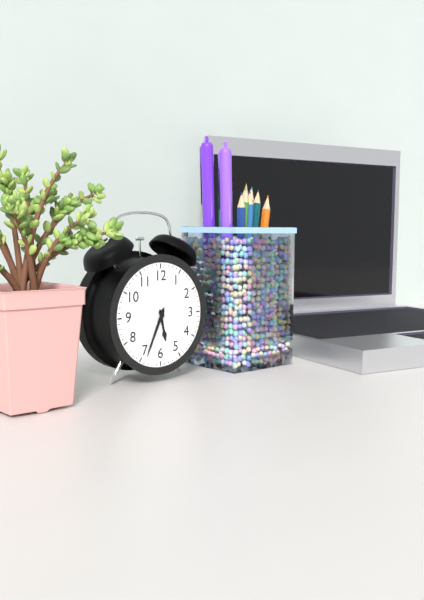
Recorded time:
5,34
